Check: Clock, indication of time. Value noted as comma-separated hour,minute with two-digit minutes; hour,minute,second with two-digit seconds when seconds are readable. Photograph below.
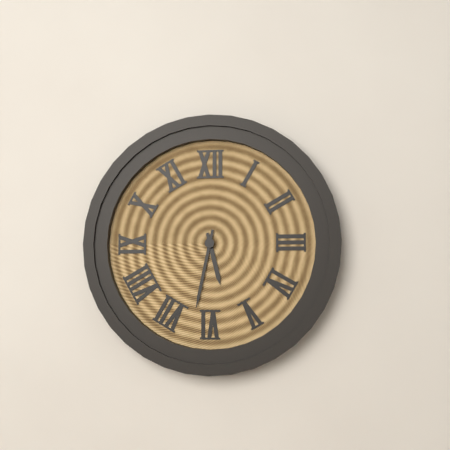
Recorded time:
5,32
